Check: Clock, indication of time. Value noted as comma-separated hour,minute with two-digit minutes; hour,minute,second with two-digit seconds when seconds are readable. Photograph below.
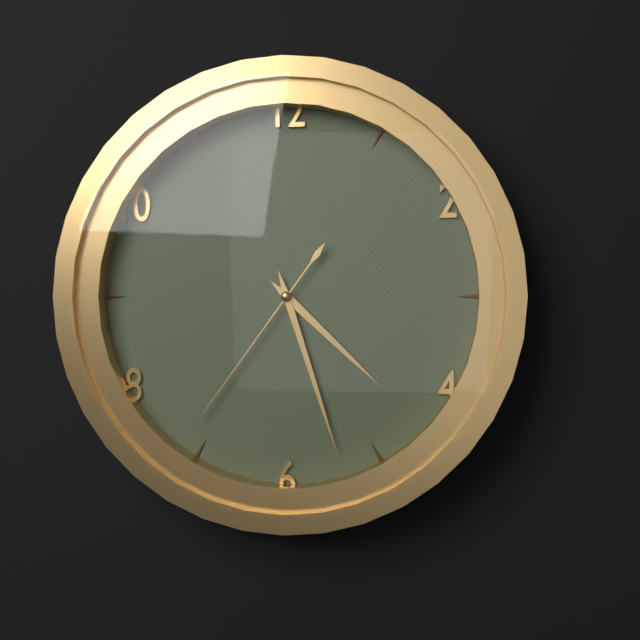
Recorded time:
4,27,36
